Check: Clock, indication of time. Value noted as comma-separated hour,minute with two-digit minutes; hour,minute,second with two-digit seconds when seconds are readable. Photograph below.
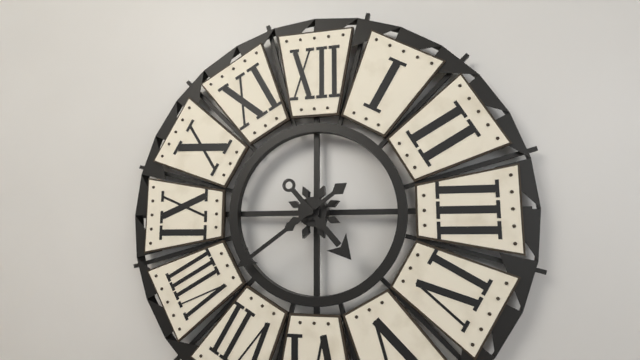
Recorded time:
4,39
